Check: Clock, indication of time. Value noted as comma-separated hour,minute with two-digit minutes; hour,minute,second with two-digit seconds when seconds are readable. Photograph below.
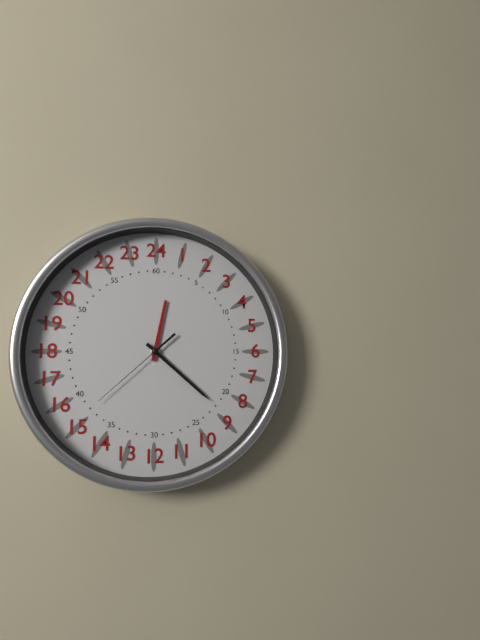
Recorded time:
12,22,38
